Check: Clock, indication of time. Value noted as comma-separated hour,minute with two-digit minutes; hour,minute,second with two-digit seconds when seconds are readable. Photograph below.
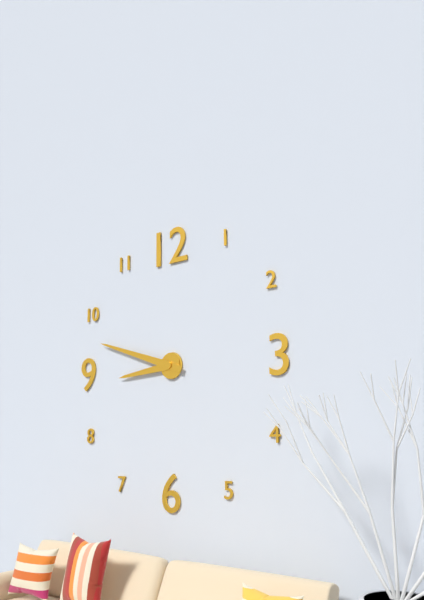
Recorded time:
8,48
